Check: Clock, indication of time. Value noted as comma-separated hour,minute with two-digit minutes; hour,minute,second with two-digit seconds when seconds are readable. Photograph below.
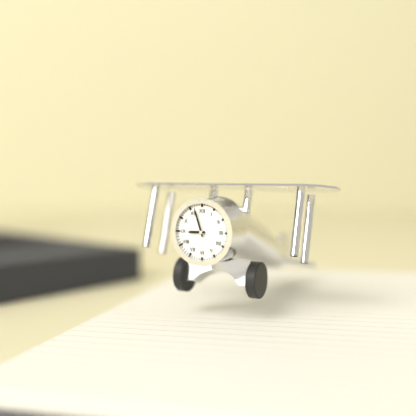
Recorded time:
8,57
